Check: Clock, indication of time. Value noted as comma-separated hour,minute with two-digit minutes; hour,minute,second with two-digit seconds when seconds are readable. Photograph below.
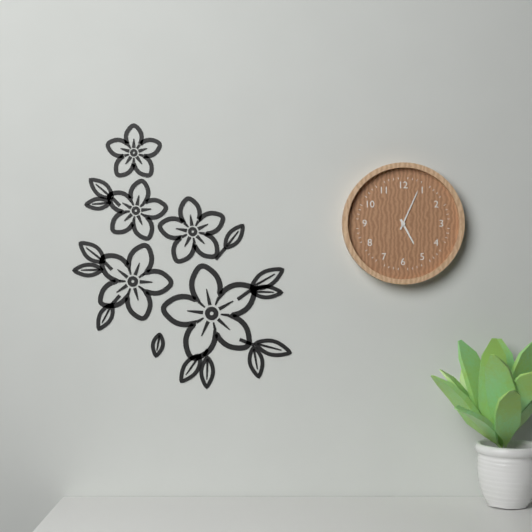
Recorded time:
5,04
